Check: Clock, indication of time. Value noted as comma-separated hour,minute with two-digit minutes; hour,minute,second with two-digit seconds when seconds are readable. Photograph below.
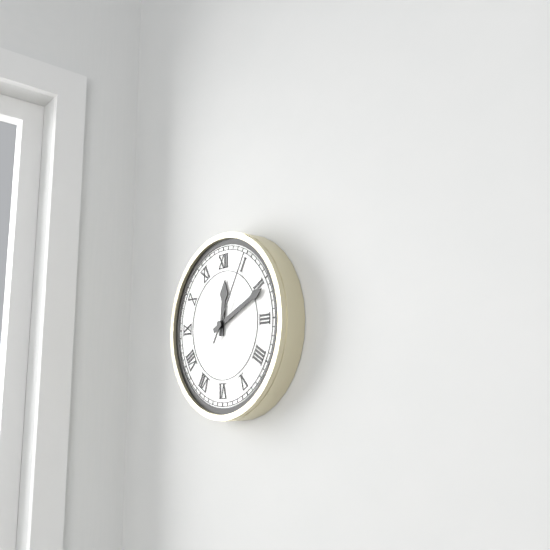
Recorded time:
12,11,05
